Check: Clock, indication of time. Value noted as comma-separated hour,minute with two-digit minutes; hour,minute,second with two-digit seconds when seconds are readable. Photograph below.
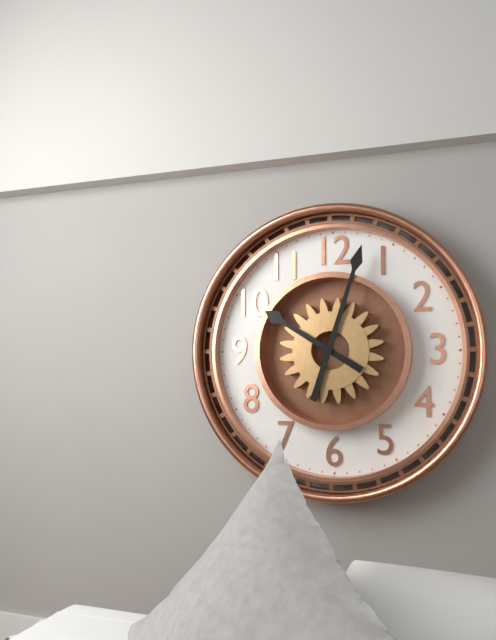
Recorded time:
10,03
